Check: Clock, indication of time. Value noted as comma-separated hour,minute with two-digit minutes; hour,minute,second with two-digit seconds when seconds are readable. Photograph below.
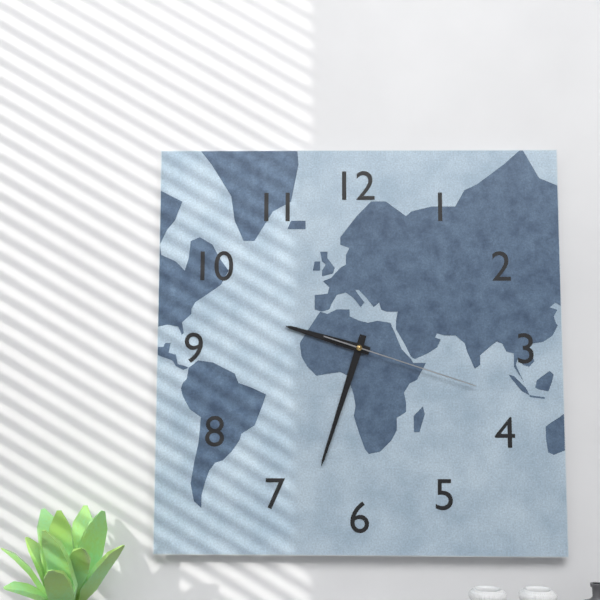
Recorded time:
9,33,18
